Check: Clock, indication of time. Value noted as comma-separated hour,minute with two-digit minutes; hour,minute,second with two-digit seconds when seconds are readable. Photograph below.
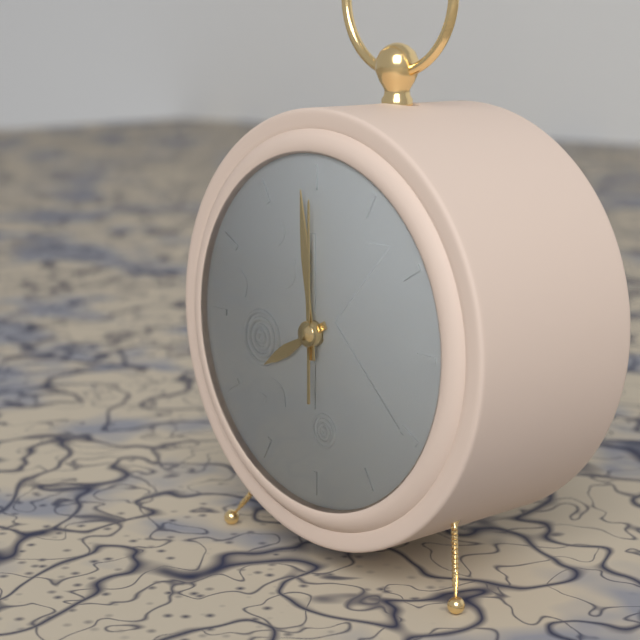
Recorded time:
7,59,00
